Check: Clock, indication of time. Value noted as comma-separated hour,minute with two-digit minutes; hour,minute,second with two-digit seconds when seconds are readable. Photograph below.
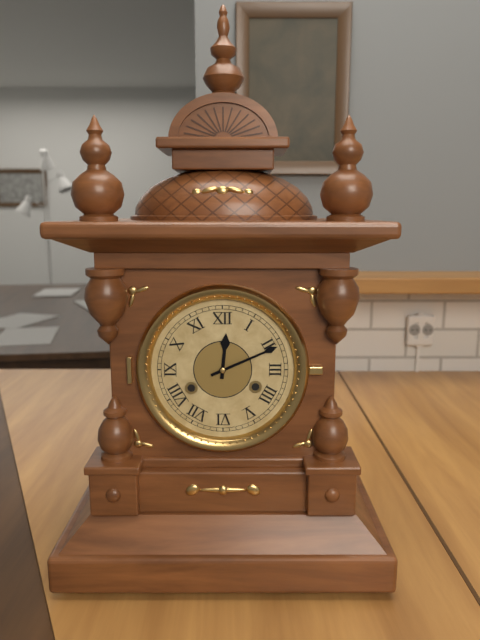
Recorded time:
12,11
